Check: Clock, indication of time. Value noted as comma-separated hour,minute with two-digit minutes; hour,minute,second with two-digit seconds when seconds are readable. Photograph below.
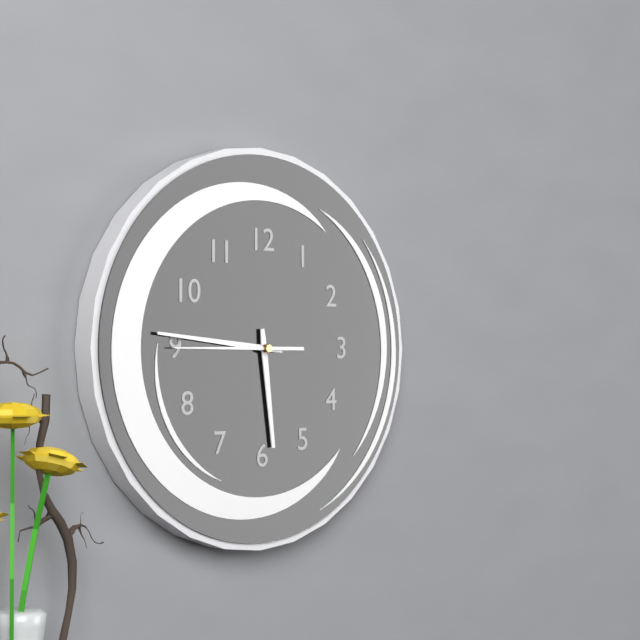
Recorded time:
5,46,45
